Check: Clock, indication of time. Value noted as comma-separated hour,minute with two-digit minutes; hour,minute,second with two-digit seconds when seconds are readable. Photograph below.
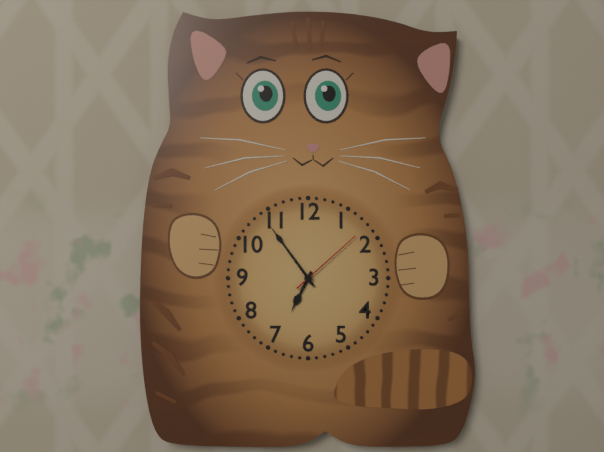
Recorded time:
6,54,08
